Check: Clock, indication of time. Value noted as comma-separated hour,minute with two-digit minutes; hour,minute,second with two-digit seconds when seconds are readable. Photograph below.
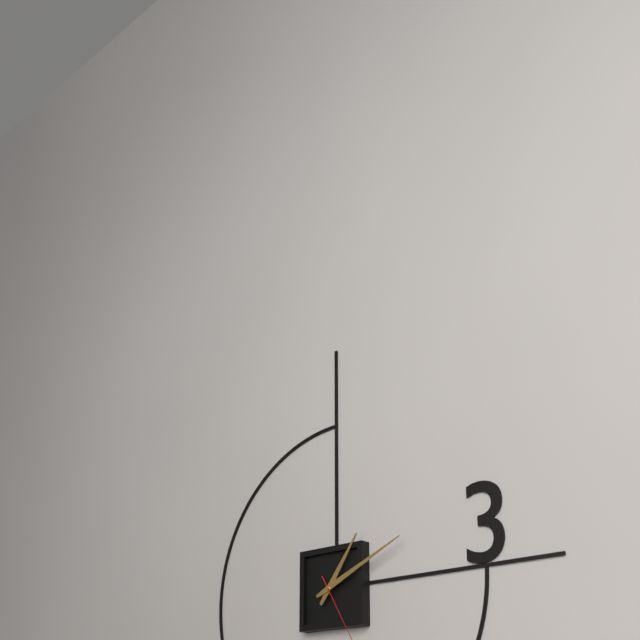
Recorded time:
1,11
